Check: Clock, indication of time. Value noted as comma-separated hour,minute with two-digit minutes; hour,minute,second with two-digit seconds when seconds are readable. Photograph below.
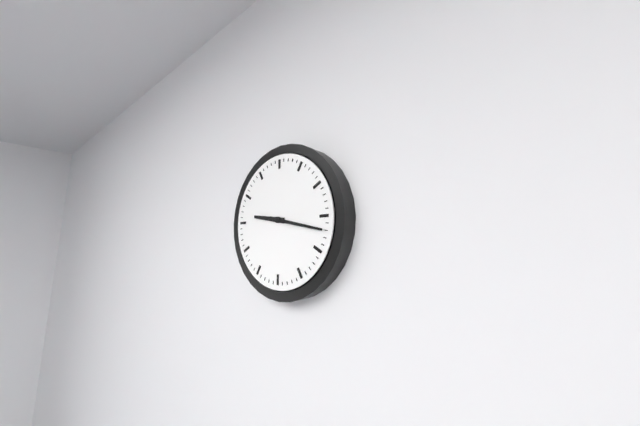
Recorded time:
9,17
